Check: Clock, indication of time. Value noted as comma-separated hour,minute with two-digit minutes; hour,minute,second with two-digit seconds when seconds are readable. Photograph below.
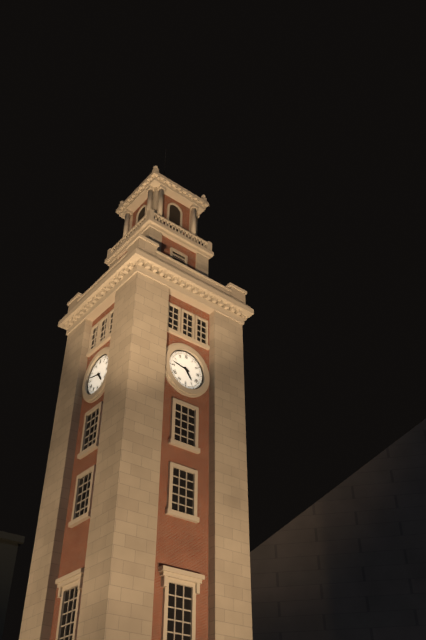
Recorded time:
4,47
